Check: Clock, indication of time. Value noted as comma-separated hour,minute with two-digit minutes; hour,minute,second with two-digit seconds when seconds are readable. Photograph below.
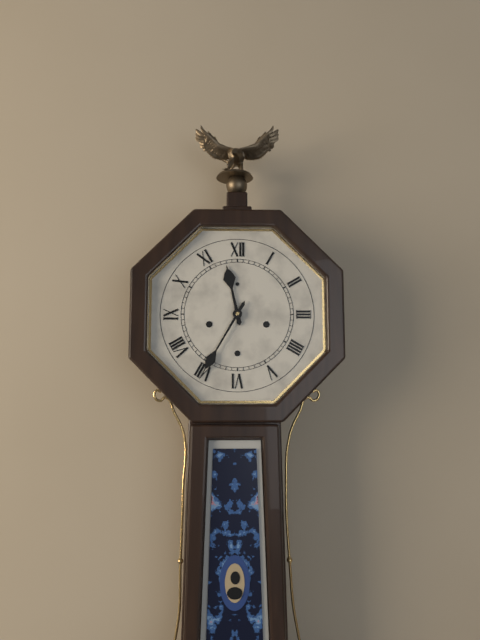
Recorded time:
11,35
